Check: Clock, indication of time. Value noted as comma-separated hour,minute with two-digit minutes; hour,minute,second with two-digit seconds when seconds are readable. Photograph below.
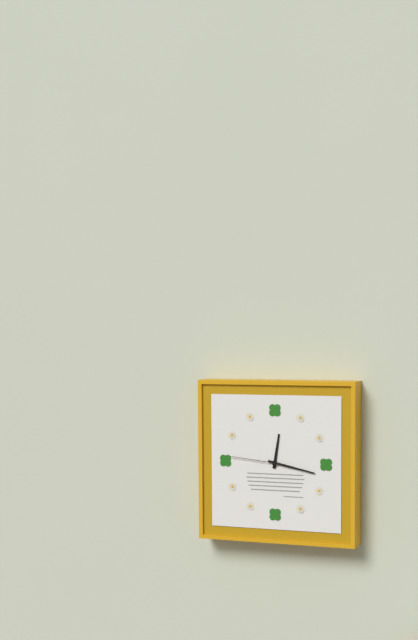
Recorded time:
12,17,46
